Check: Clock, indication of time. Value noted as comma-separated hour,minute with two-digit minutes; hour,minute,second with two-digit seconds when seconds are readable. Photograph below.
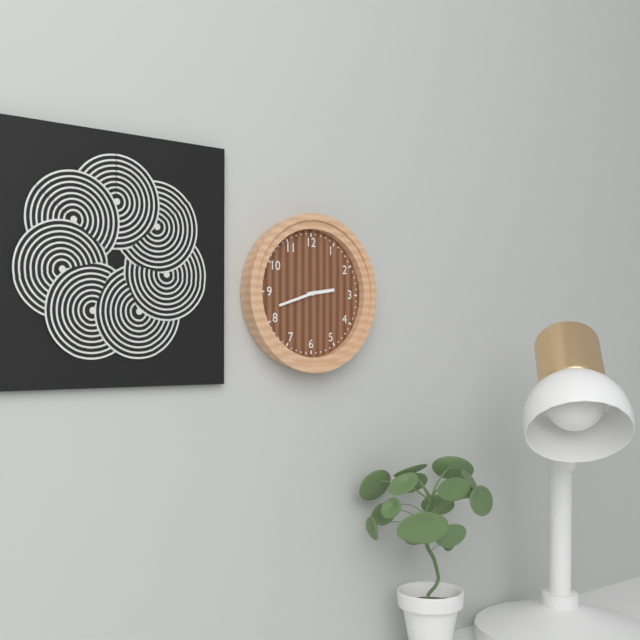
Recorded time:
2,42
